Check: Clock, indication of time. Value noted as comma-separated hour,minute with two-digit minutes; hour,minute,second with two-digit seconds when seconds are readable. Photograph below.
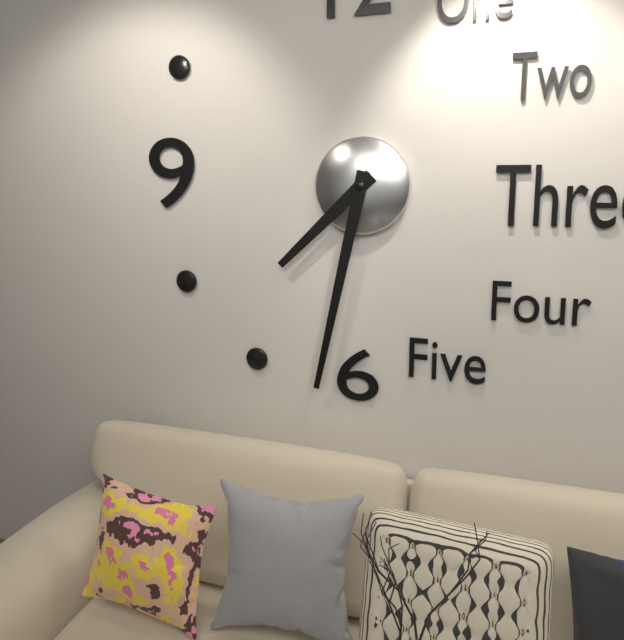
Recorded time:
7,32
